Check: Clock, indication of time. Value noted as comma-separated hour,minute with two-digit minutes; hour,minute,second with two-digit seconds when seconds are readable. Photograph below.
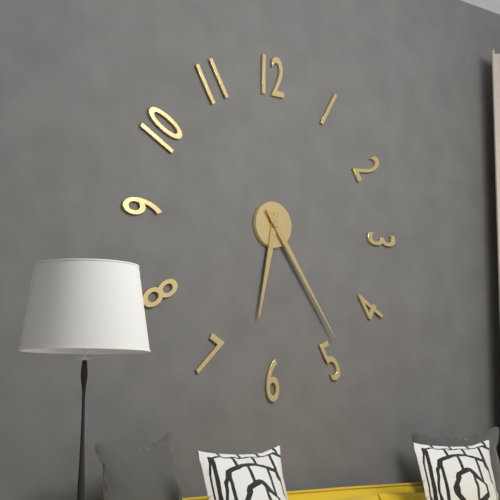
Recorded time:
6,24
